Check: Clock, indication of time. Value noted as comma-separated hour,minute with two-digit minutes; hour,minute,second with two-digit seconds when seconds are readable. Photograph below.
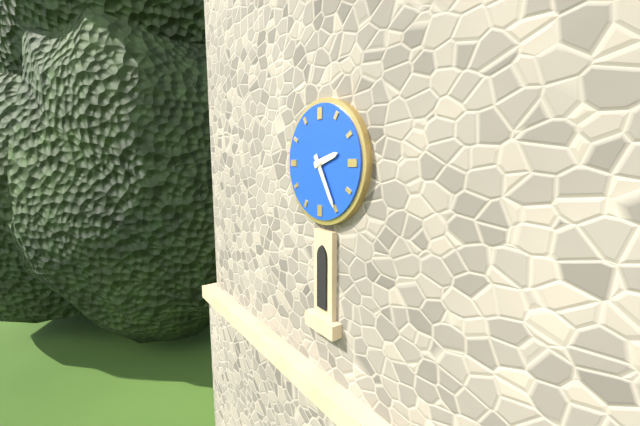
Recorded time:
2,25
